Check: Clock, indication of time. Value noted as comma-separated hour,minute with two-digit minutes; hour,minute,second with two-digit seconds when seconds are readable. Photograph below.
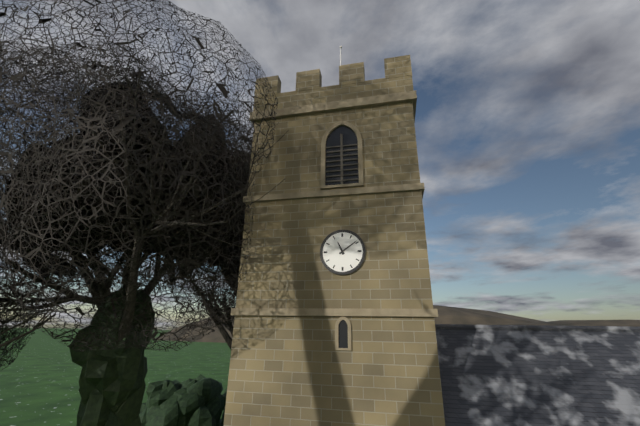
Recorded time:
11,09
